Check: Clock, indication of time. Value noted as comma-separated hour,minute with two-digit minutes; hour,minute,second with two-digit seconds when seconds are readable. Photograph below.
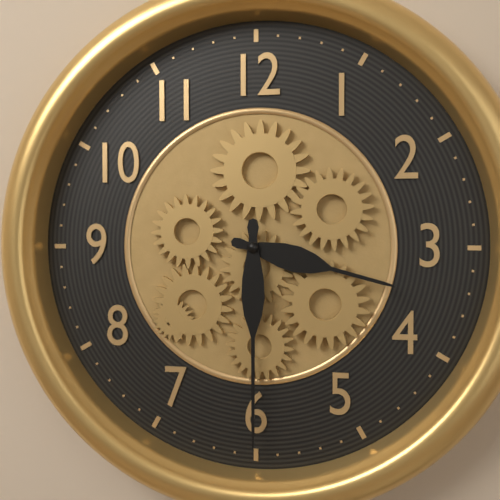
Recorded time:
3,30
